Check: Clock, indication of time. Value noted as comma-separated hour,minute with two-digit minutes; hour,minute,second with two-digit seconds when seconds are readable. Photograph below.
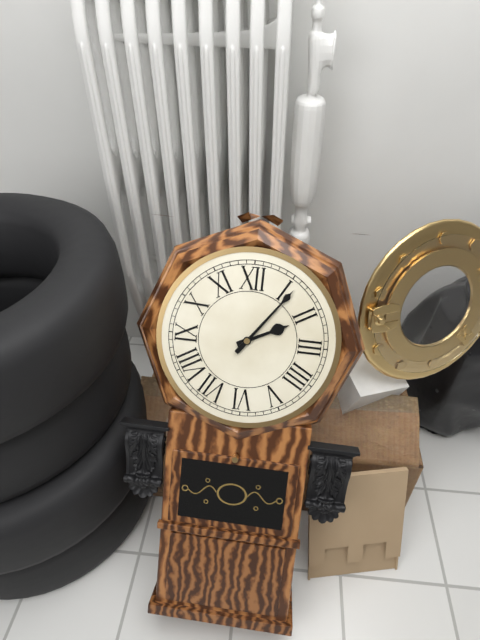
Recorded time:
2,06
